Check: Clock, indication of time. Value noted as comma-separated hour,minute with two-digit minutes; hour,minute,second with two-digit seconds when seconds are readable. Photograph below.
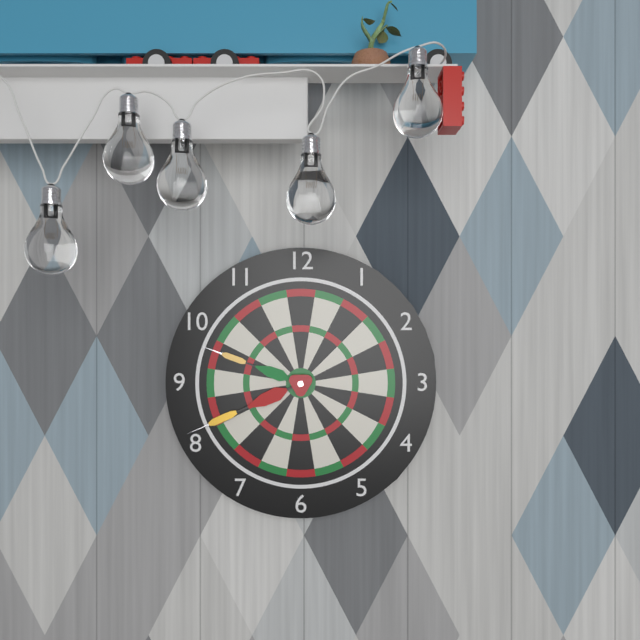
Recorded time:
9,41
